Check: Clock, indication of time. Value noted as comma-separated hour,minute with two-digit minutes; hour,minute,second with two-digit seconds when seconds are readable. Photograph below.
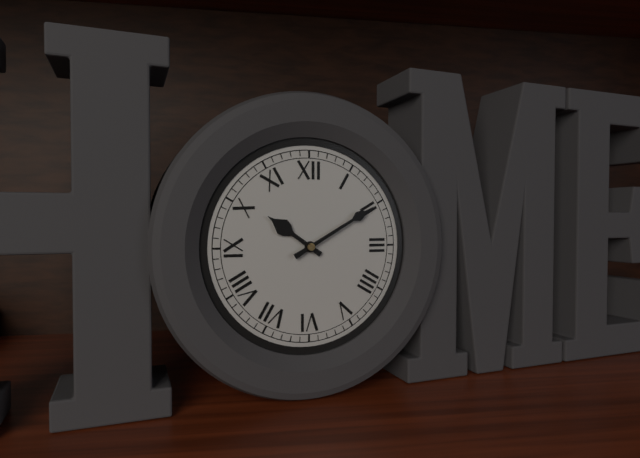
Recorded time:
10,10
